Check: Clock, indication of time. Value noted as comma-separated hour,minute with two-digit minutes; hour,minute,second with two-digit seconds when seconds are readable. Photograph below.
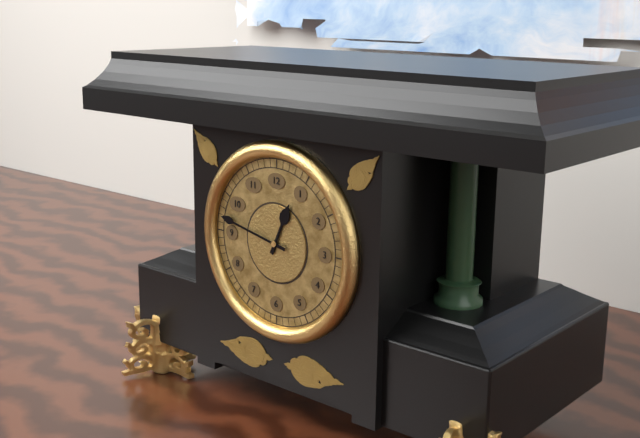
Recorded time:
12,47
